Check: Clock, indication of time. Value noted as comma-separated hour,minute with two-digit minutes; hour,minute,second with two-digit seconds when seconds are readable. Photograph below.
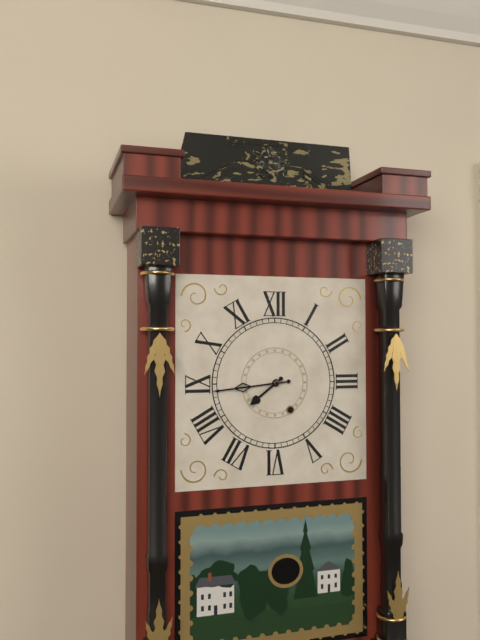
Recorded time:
7,44
